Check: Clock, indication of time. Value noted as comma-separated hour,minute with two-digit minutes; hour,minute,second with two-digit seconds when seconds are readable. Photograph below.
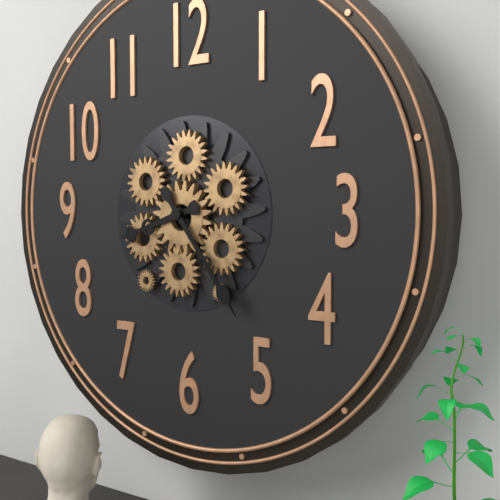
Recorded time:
8,24
